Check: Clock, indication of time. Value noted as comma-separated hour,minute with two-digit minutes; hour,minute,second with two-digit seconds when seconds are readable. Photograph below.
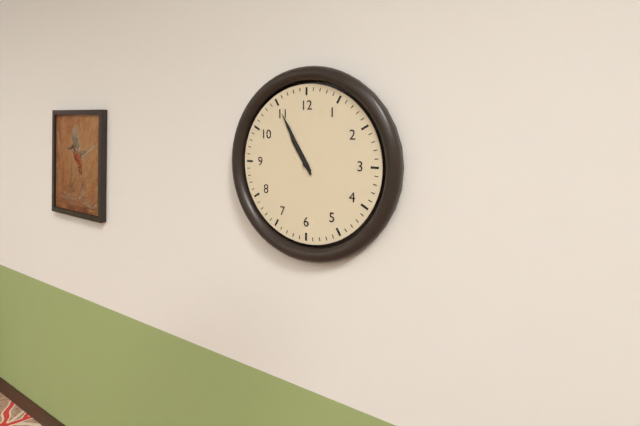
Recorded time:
10,55
